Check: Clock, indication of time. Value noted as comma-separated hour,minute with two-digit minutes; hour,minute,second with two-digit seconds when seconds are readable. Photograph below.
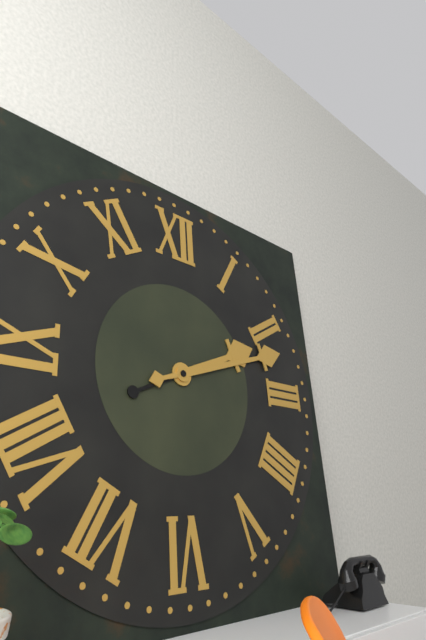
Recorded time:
2,12
